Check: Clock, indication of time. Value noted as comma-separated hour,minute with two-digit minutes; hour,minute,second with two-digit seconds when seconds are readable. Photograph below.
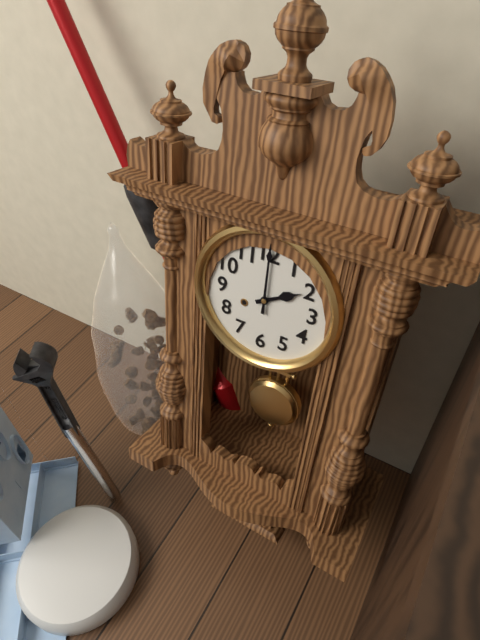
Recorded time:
2,00
